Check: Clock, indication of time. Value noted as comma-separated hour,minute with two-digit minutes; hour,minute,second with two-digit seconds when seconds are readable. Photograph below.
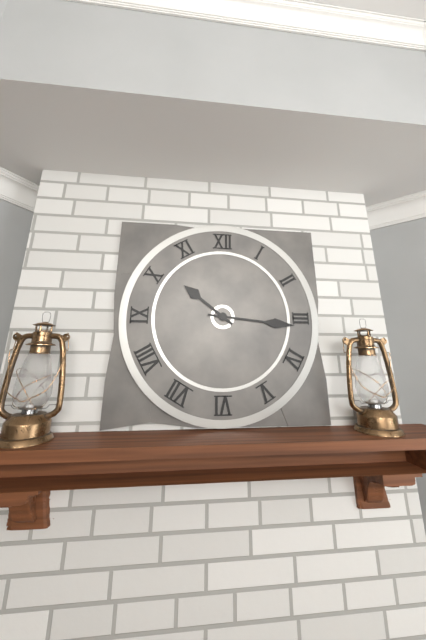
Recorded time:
10,16
